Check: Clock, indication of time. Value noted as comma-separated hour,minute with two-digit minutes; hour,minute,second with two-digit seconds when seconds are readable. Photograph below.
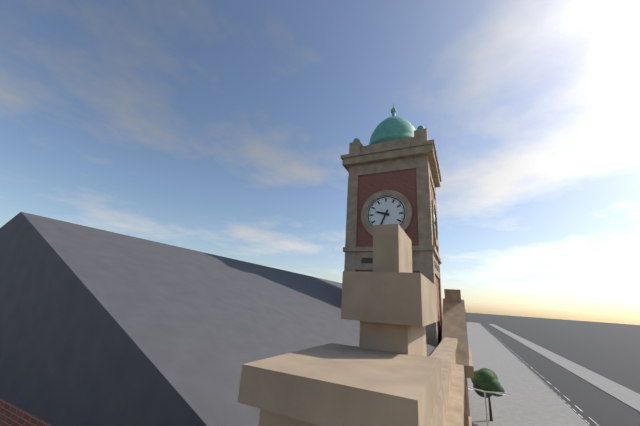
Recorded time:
9,34
